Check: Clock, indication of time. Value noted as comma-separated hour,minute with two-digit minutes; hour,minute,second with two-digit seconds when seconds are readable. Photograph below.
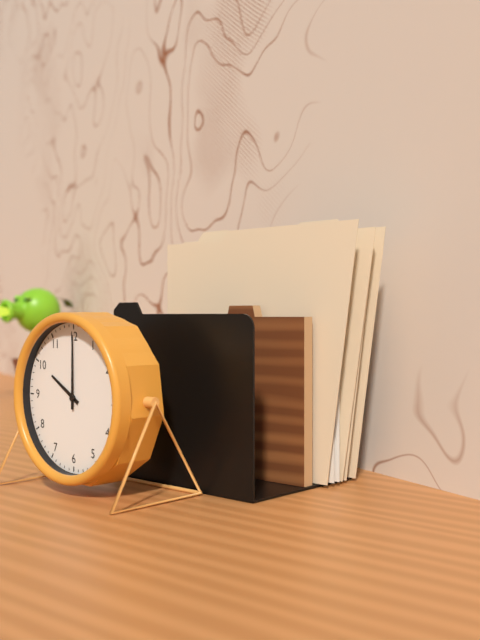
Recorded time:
10,00
